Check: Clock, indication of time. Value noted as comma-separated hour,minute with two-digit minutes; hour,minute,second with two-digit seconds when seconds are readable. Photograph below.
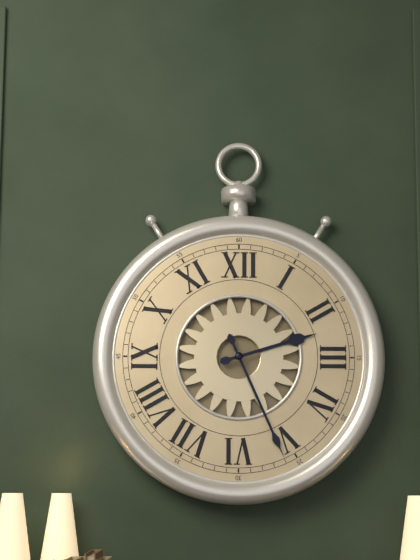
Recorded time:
2,26
